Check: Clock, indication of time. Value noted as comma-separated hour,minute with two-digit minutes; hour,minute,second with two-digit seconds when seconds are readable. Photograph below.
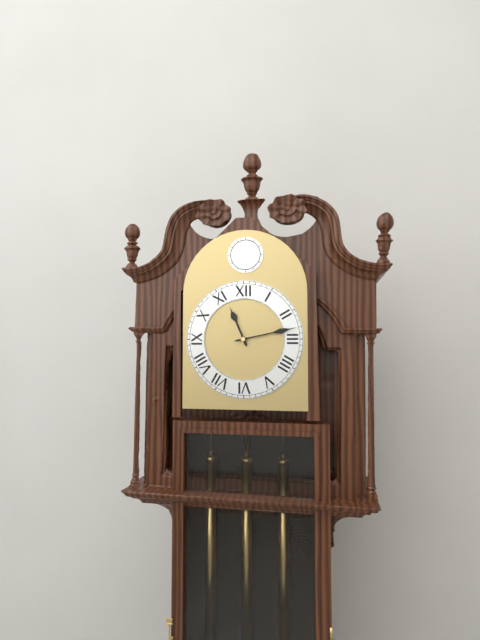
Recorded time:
11,13
